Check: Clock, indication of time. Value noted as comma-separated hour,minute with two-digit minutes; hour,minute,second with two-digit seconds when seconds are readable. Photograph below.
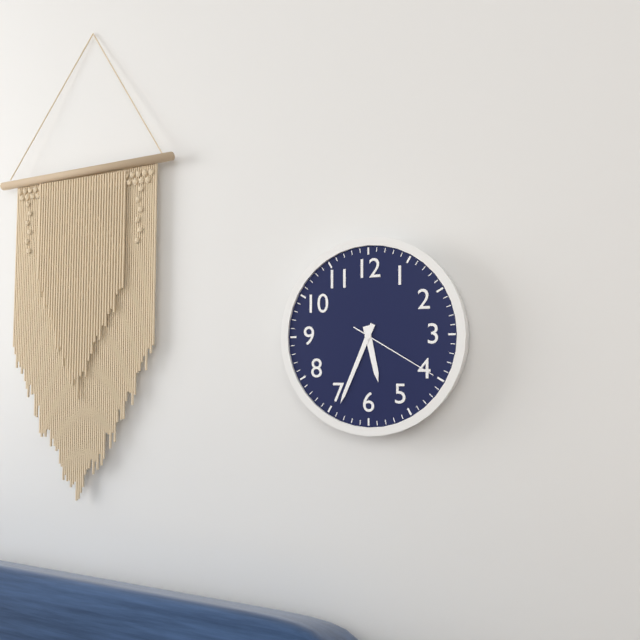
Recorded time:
5,34,20
